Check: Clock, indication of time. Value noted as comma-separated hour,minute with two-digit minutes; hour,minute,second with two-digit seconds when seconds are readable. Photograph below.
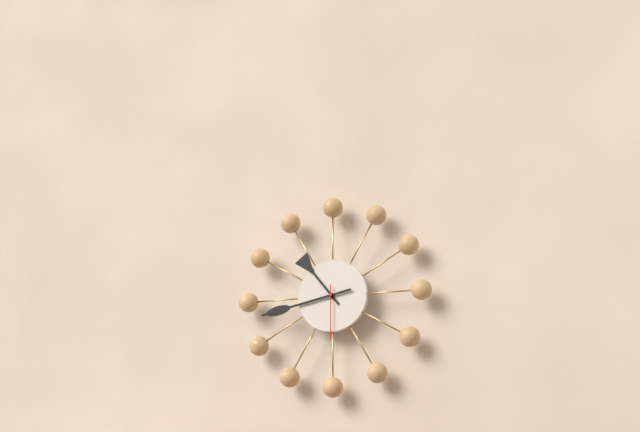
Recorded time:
10,43,30
